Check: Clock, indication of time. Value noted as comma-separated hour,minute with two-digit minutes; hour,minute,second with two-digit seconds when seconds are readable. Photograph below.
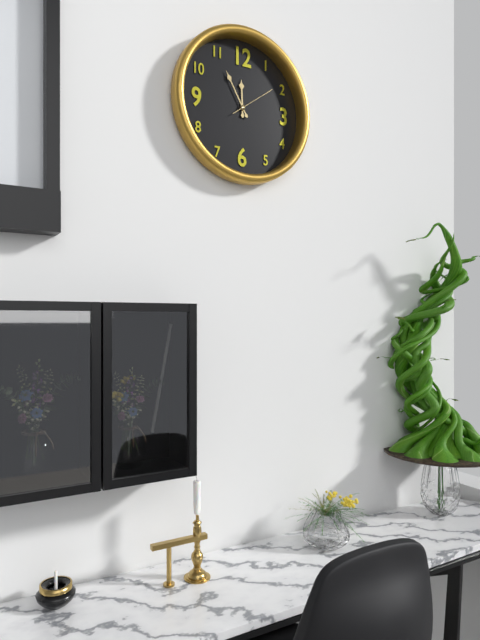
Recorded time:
11,55
